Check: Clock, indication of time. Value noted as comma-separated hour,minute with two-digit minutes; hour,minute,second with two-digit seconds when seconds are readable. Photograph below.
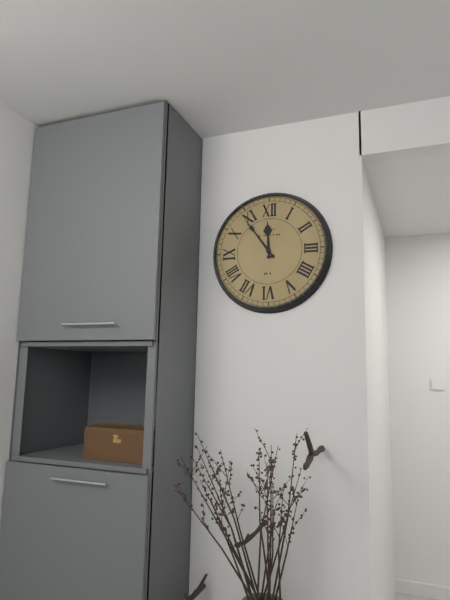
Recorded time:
11,54
